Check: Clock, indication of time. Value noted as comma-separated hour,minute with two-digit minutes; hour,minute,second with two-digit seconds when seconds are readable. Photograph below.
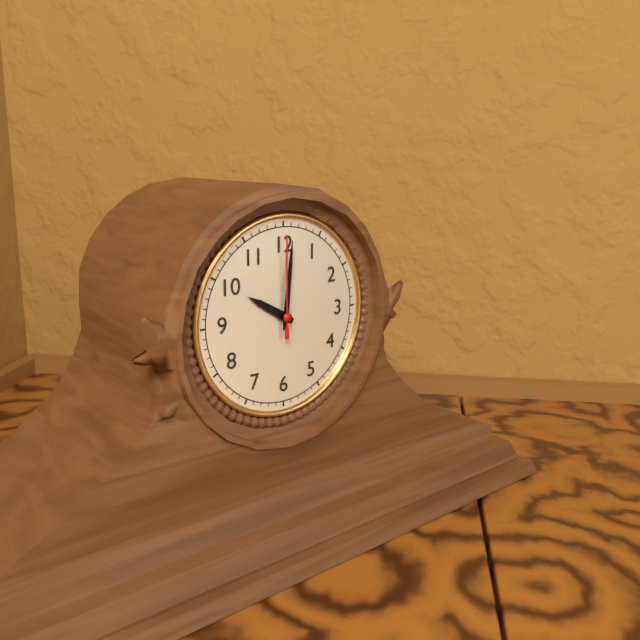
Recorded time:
10,01,00
